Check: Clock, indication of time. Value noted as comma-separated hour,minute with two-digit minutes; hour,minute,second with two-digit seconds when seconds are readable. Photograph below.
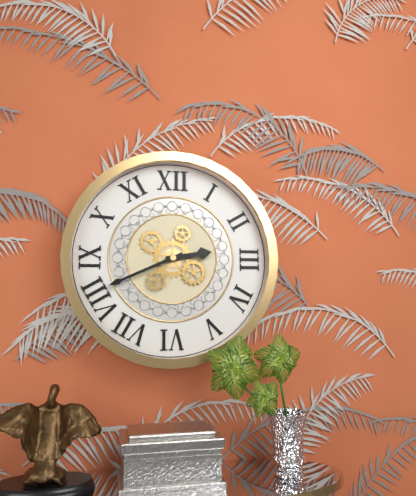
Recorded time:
2,41
